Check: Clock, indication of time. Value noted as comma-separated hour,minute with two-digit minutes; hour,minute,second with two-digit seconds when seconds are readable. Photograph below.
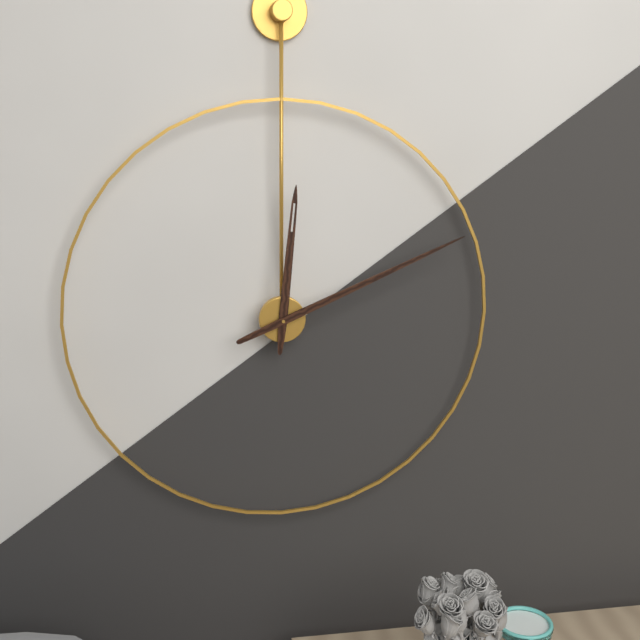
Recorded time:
12,11
